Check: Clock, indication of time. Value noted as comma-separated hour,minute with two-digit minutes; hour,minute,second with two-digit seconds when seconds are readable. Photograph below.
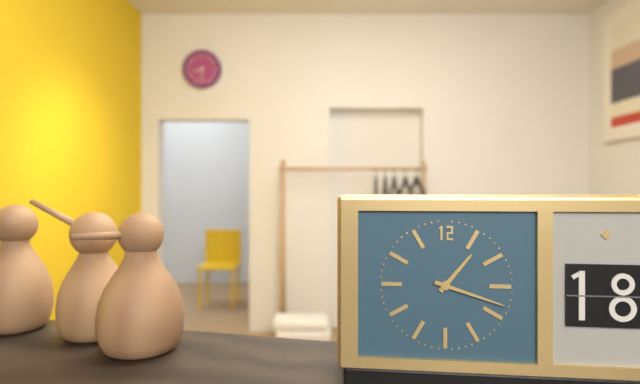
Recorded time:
1,18
